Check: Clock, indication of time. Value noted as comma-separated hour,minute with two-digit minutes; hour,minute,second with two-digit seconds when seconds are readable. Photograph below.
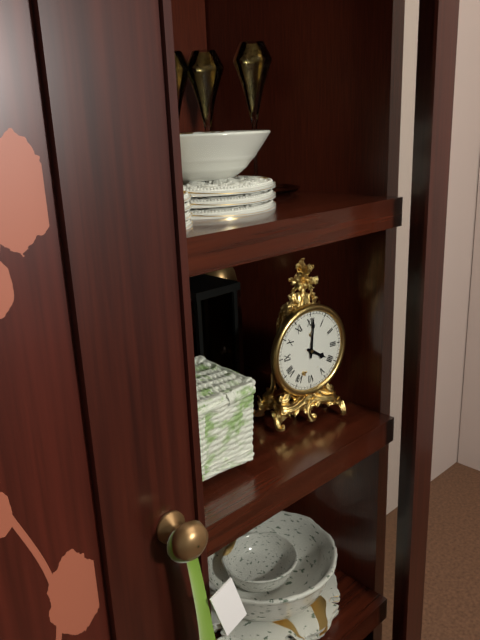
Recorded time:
4,01
